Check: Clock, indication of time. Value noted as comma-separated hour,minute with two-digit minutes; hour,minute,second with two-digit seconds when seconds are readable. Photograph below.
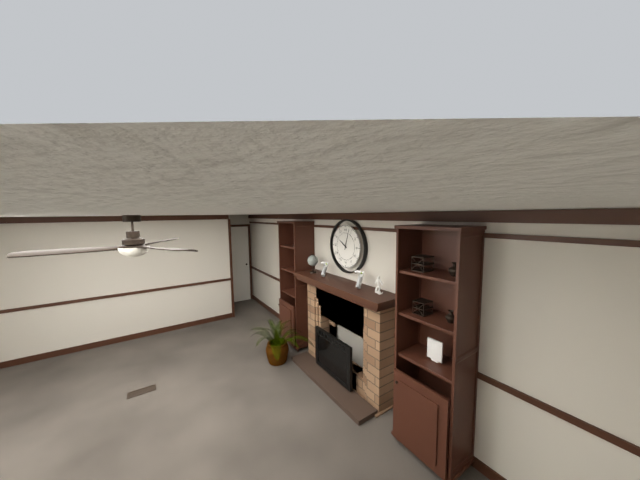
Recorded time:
10,03
